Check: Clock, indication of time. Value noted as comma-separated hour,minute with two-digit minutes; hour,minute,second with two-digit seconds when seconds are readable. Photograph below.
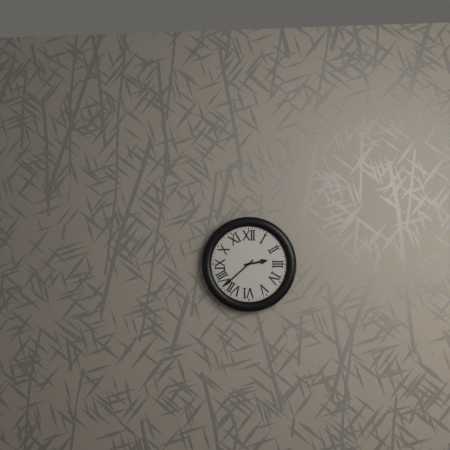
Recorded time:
2,38
